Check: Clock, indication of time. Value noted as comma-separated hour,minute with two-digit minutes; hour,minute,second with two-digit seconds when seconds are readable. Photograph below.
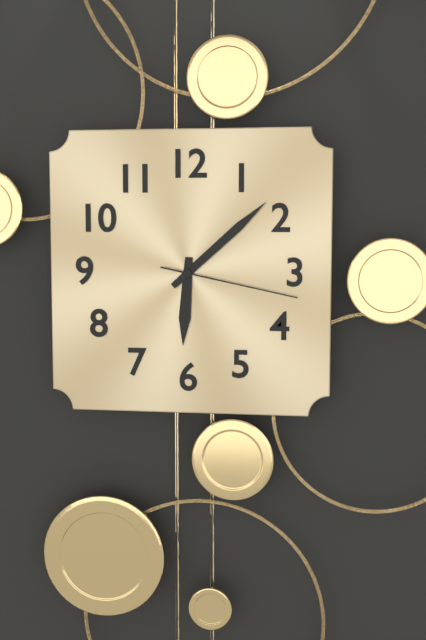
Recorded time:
6,08,17
